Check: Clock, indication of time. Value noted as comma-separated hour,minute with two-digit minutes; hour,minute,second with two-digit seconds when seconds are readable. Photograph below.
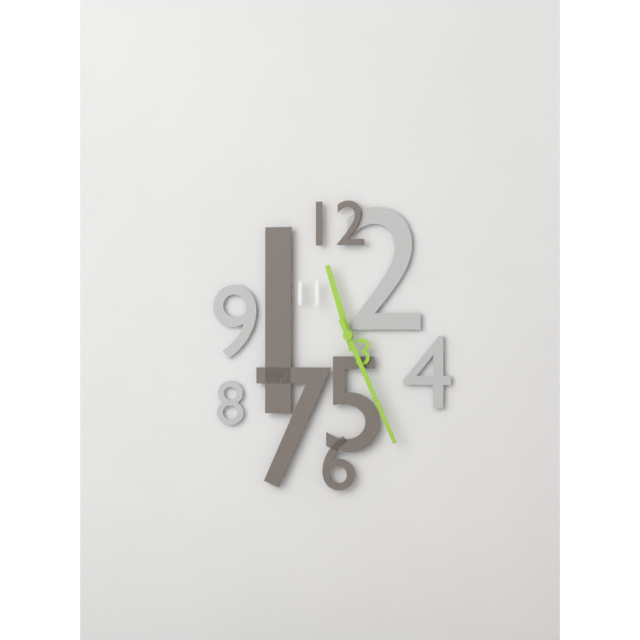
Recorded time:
11,26
